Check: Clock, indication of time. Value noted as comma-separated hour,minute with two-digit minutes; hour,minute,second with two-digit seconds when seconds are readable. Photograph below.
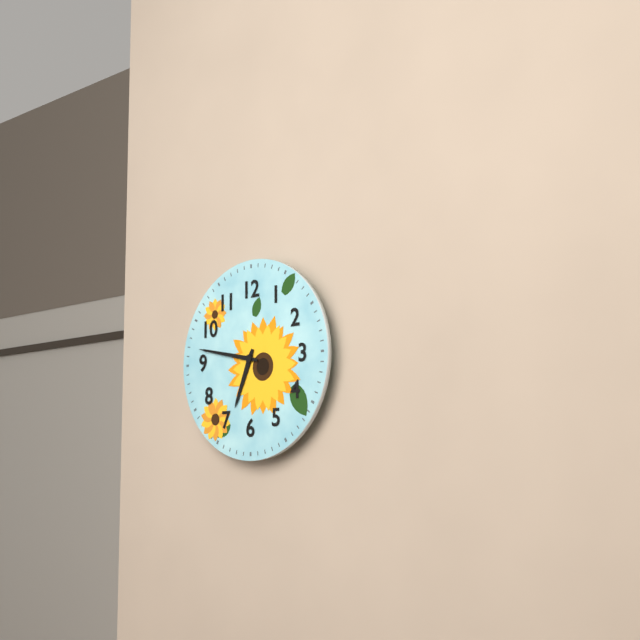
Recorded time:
6,47
